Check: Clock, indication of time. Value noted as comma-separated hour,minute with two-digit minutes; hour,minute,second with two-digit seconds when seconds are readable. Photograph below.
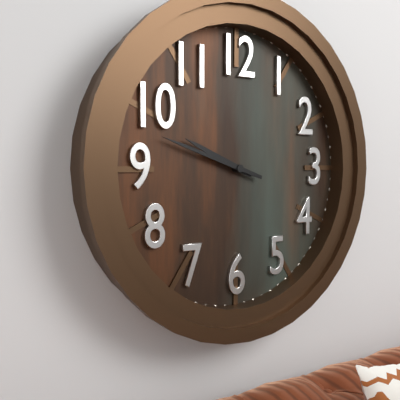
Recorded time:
9,48
